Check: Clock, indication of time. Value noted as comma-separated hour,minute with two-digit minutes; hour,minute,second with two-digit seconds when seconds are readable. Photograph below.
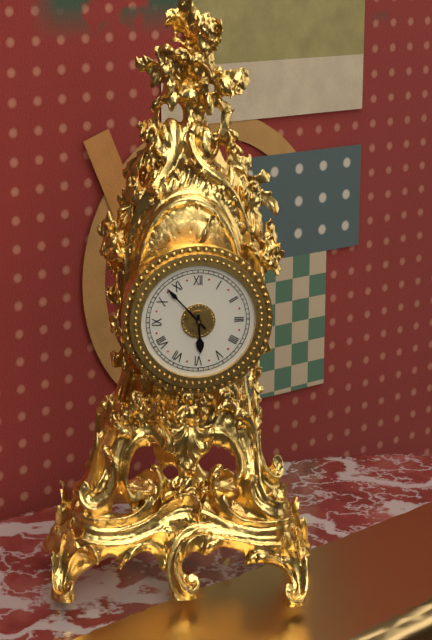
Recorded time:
5,53
